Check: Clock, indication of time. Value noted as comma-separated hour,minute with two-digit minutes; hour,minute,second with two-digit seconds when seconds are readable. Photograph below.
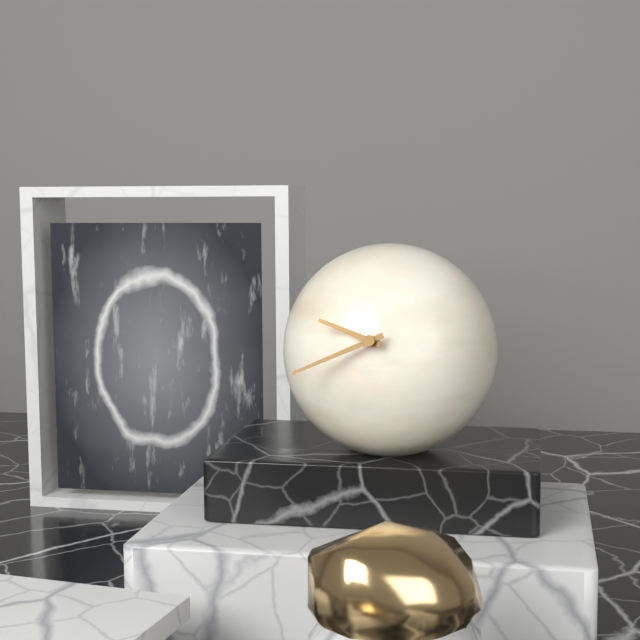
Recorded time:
9,41
